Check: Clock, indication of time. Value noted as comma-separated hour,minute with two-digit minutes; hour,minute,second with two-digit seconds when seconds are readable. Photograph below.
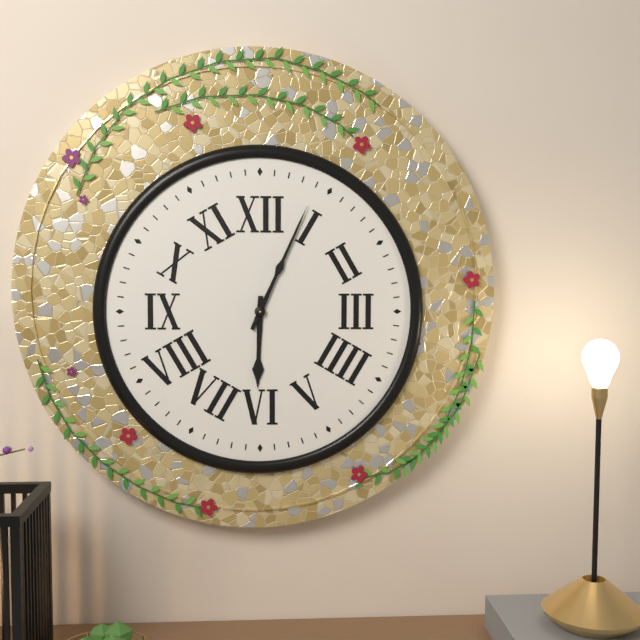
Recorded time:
6,04
